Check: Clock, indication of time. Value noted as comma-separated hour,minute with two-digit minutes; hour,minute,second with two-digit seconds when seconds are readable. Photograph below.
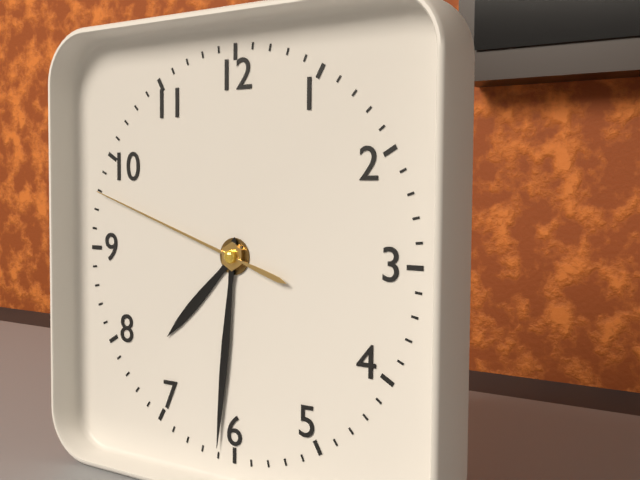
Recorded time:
7,31,48
